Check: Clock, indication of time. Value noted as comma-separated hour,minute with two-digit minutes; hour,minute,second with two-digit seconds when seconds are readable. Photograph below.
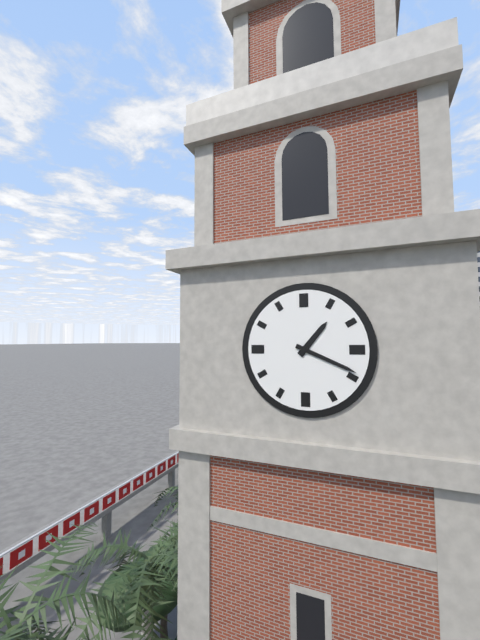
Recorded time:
1,19
